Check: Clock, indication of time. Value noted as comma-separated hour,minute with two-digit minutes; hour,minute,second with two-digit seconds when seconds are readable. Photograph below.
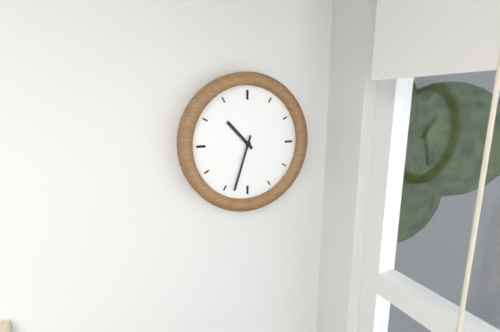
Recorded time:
10,33
